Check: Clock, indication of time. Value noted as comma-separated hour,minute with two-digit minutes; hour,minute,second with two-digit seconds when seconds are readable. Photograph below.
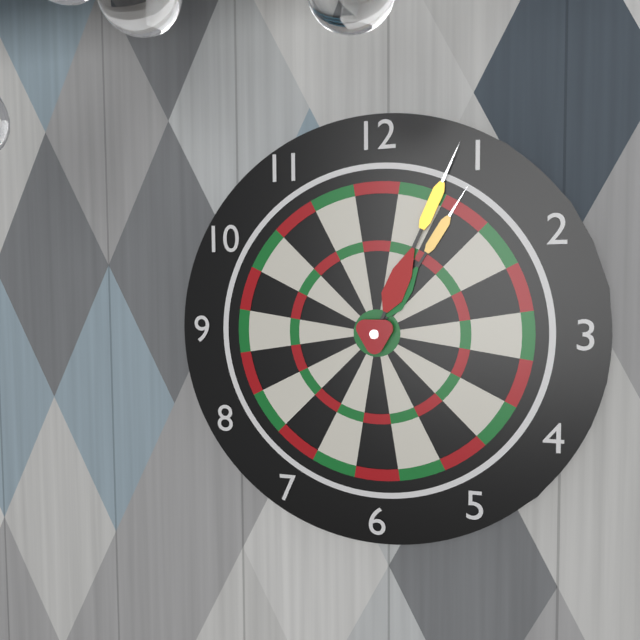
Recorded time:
1,04
